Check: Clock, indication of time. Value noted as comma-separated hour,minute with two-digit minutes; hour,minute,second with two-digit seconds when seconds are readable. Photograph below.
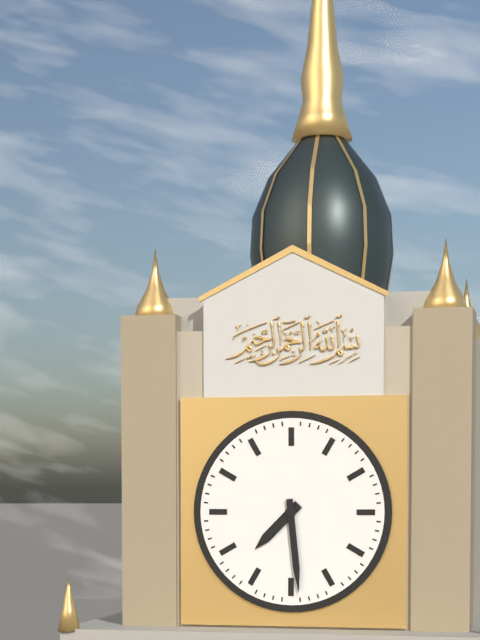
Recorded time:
7,29
